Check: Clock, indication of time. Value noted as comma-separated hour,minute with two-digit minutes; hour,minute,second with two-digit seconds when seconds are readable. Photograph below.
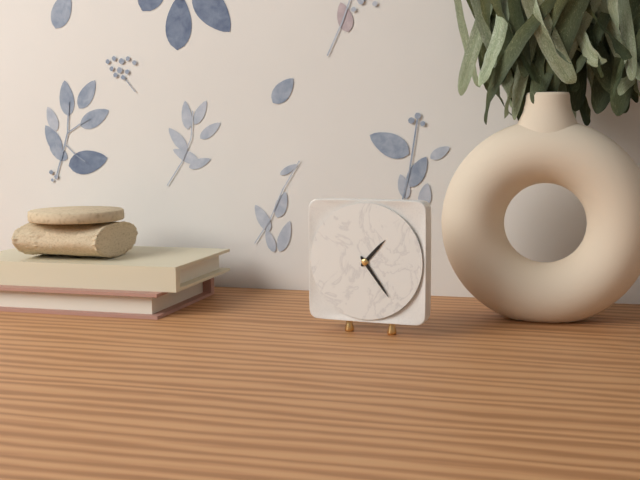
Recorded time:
1,24
